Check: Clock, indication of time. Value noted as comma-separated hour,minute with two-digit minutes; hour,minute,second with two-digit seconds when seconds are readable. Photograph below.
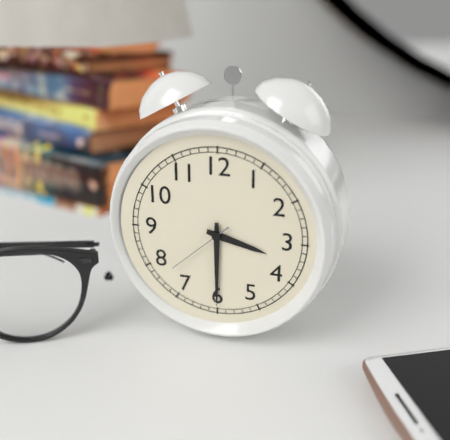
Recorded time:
3,30,38
